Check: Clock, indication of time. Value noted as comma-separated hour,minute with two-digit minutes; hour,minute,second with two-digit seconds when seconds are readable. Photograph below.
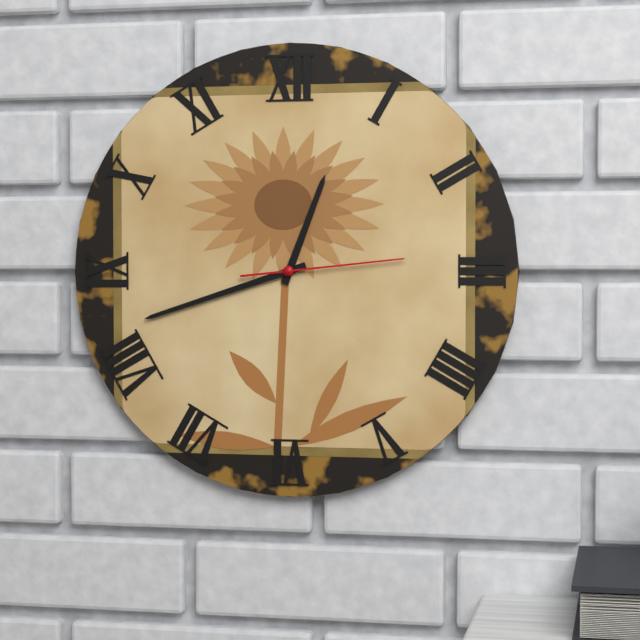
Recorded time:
12,42,14
